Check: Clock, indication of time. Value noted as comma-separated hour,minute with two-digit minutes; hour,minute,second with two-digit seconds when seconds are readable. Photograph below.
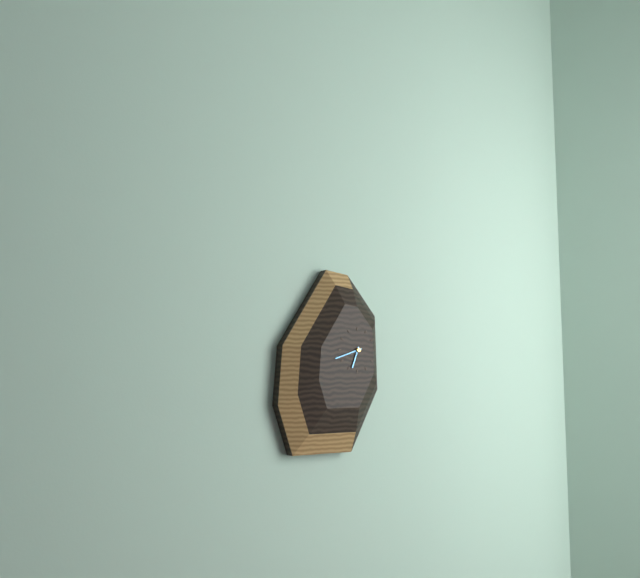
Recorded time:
6,42
